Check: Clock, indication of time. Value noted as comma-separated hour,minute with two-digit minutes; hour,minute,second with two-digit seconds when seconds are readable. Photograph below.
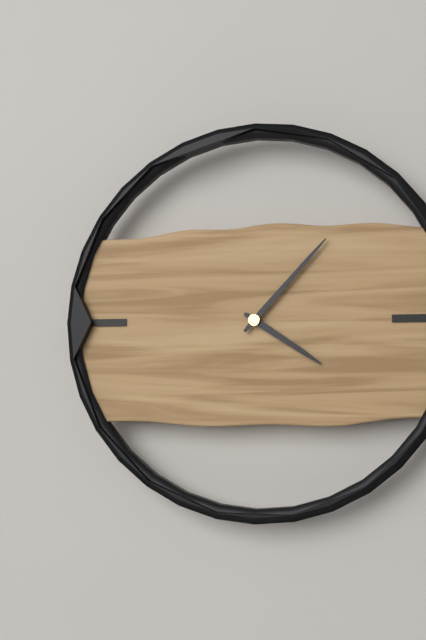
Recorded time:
4,07
